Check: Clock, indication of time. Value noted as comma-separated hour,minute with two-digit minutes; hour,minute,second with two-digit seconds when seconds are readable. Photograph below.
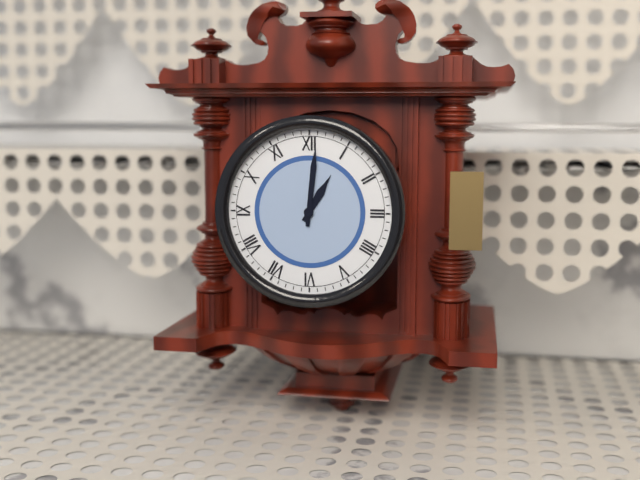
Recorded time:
1,01
